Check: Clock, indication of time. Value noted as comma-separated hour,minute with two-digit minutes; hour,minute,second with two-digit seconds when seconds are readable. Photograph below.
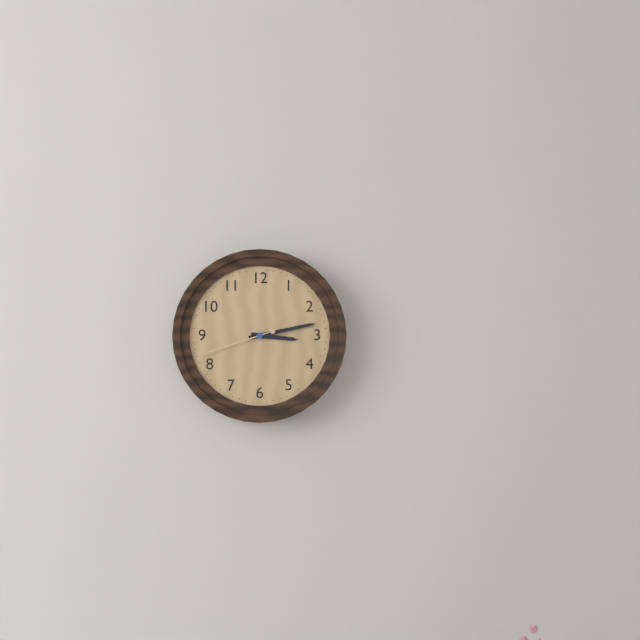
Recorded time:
3,13,42
